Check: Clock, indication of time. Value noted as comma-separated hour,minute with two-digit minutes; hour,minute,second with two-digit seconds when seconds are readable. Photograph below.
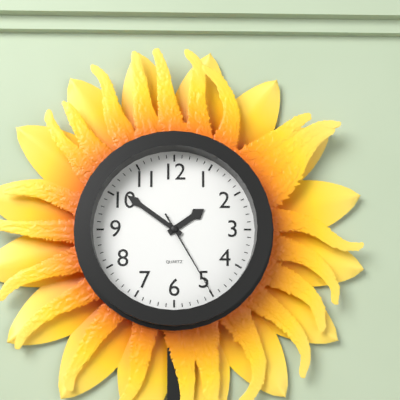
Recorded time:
1,51,25
